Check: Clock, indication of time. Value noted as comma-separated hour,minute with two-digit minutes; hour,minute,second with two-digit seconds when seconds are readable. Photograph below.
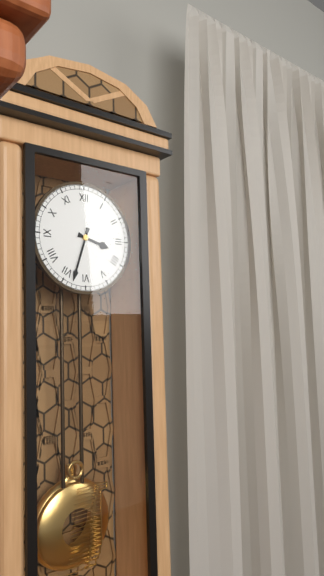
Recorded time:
3,33
